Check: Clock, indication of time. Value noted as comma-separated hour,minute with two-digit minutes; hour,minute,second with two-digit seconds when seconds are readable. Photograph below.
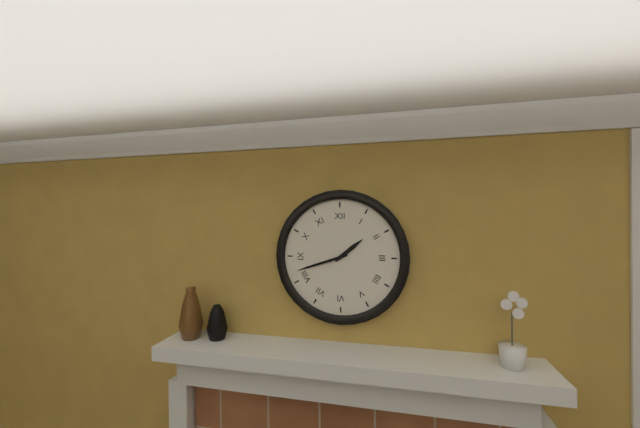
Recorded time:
1,42
